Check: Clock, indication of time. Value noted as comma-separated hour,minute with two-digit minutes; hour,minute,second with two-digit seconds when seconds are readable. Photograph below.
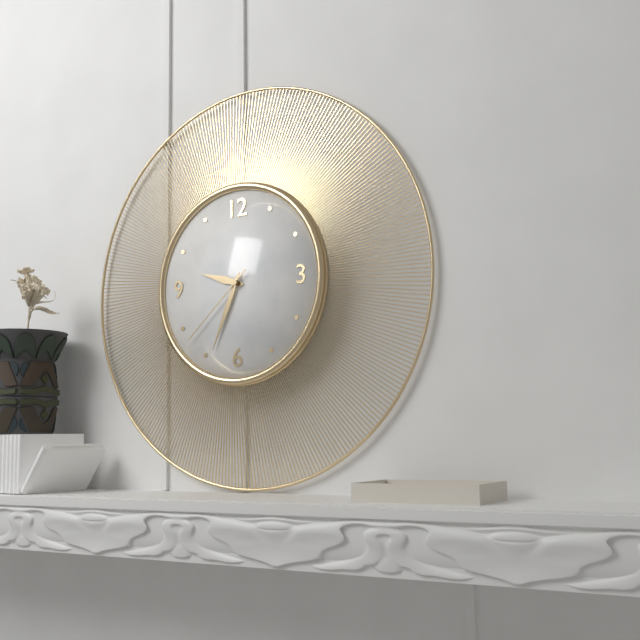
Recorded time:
9,34,38
